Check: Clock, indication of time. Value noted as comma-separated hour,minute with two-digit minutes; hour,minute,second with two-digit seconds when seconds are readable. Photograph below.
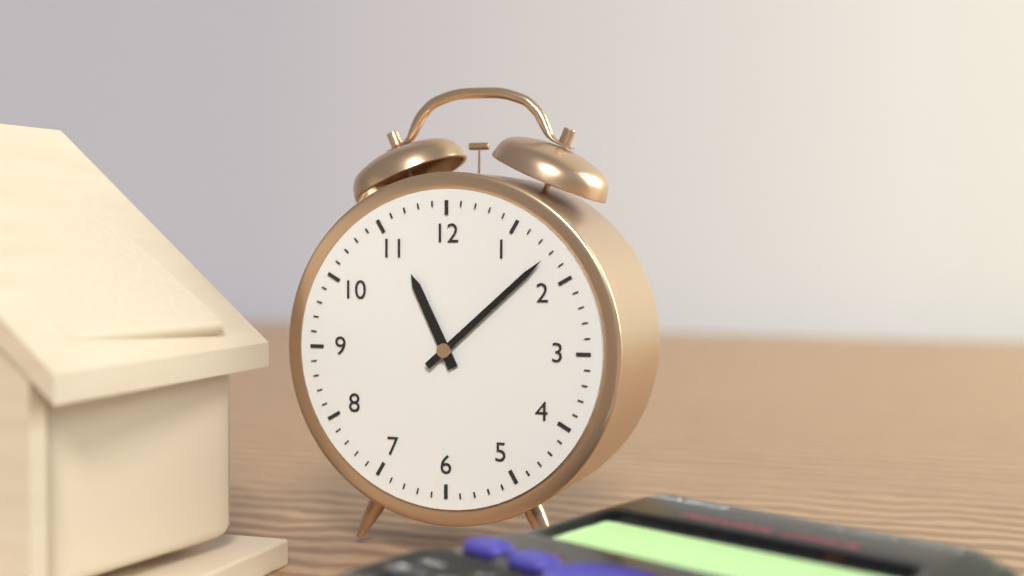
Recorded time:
11,08
